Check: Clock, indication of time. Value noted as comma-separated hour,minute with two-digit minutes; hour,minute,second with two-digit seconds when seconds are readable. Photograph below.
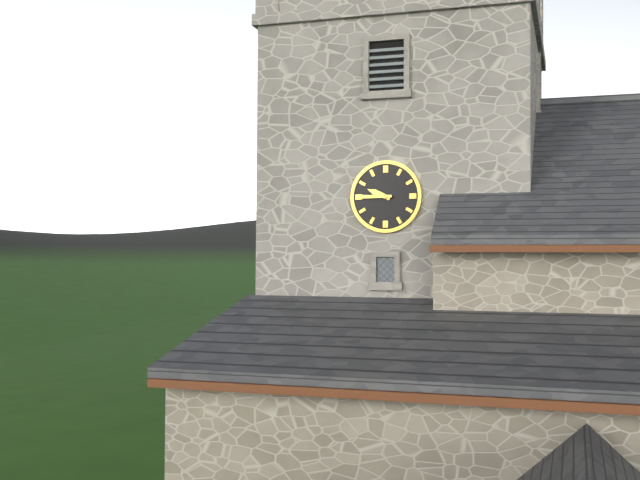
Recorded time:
9,45
